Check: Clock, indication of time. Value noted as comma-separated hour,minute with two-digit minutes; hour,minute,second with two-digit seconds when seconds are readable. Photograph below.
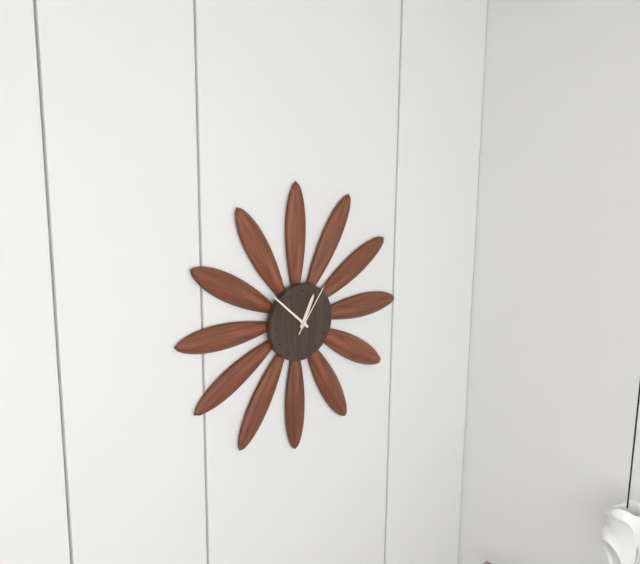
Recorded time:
12,52,06
